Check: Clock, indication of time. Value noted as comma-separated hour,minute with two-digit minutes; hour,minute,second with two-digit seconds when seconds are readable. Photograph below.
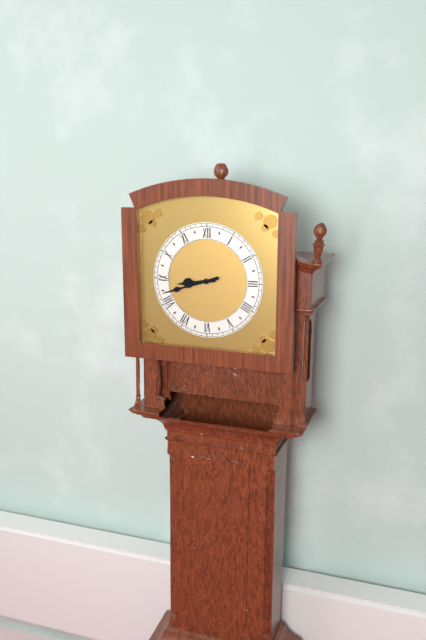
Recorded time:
8,42
